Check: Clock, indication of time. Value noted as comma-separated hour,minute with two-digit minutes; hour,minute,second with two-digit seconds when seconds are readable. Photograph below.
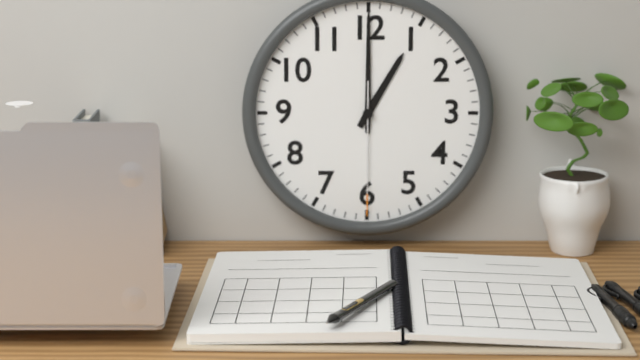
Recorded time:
1,00,30
